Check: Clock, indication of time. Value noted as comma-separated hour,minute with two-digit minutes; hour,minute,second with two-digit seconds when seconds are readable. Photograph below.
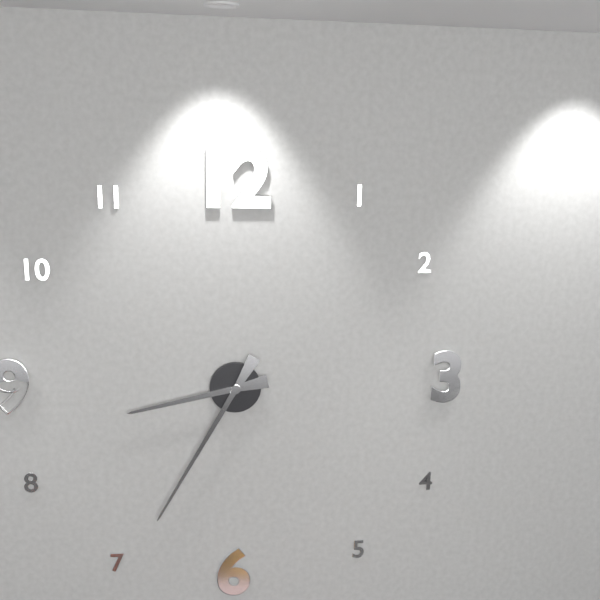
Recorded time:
8,35
